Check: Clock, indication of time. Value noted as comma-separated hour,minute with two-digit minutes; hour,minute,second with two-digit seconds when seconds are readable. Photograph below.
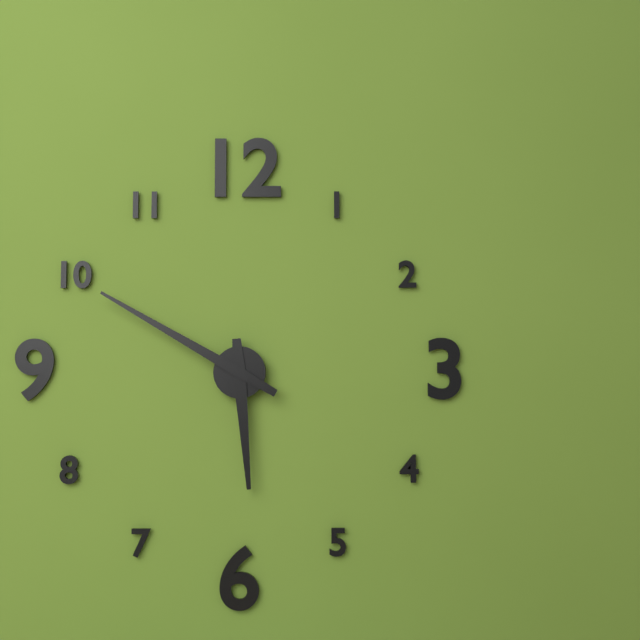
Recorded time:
5,50
